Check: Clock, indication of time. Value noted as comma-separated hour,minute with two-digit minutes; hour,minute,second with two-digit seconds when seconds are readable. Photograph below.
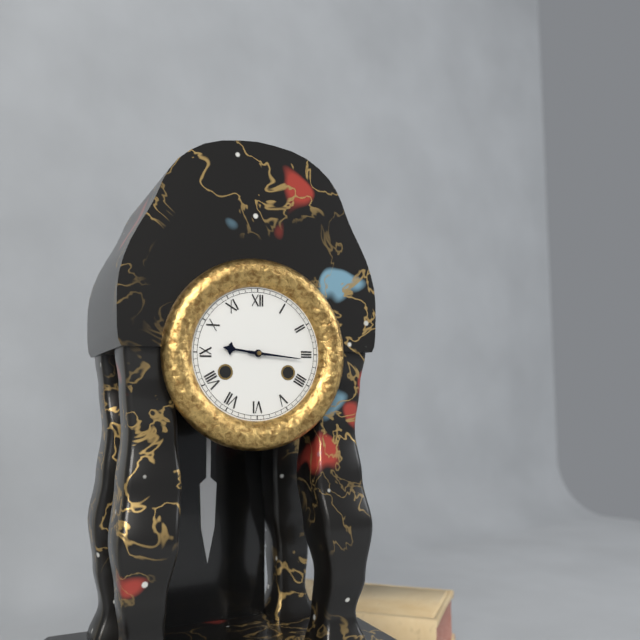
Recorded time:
9,16
